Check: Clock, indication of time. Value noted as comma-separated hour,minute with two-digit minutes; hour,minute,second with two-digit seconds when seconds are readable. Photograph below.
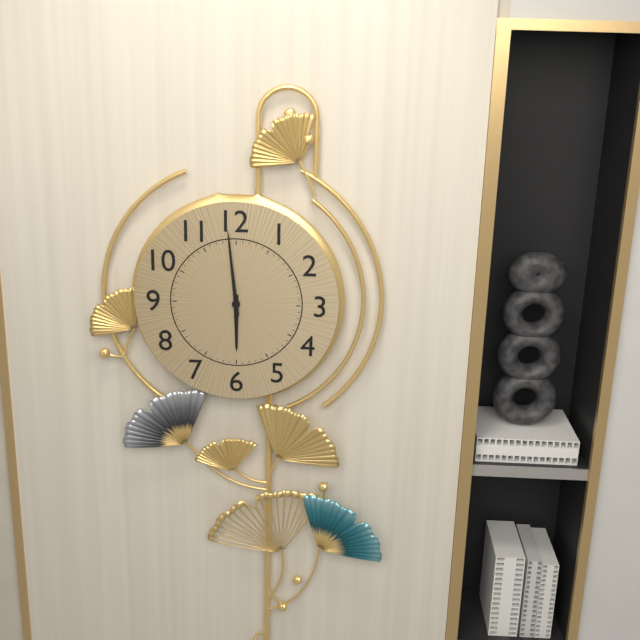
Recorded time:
5,59
